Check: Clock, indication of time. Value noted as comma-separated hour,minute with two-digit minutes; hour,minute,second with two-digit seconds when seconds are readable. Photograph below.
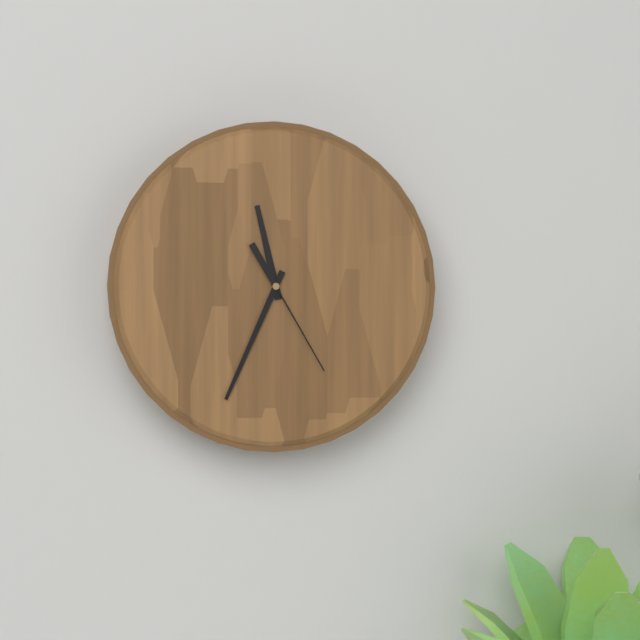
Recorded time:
11,34,25
